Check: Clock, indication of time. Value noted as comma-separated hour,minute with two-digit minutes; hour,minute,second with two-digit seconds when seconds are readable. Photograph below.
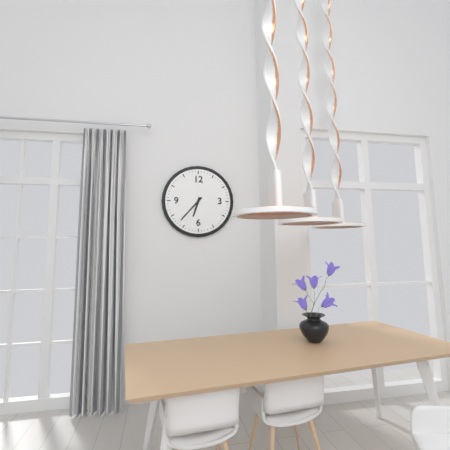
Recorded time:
6,37
